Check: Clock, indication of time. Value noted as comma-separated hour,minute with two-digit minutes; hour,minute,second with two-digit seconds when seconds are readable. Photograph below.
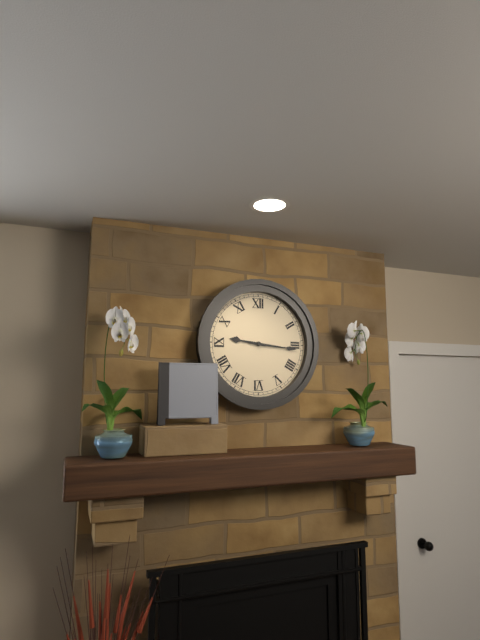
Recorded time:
9,16
